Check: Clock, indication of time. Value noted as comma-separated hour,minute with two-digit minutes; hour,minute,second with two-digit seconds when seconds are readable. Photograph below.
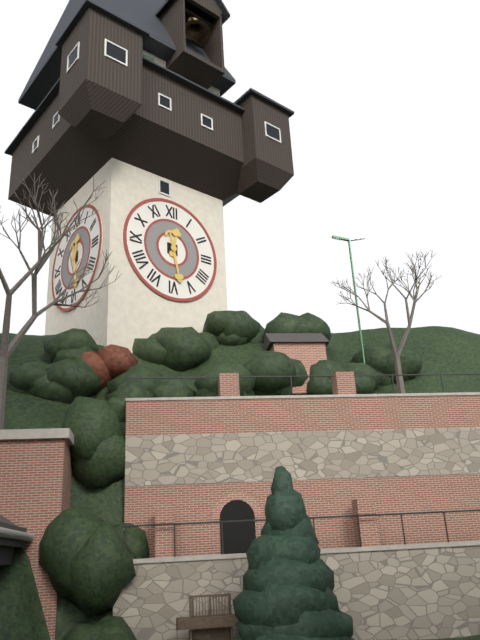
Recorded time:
12,28
